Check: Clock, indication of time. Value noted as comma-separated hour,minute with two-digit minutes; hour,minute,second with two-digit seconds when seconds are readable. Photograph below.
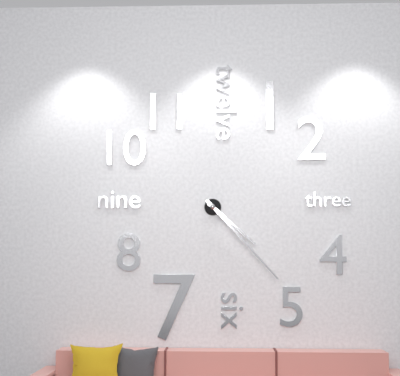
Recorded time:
4,23
